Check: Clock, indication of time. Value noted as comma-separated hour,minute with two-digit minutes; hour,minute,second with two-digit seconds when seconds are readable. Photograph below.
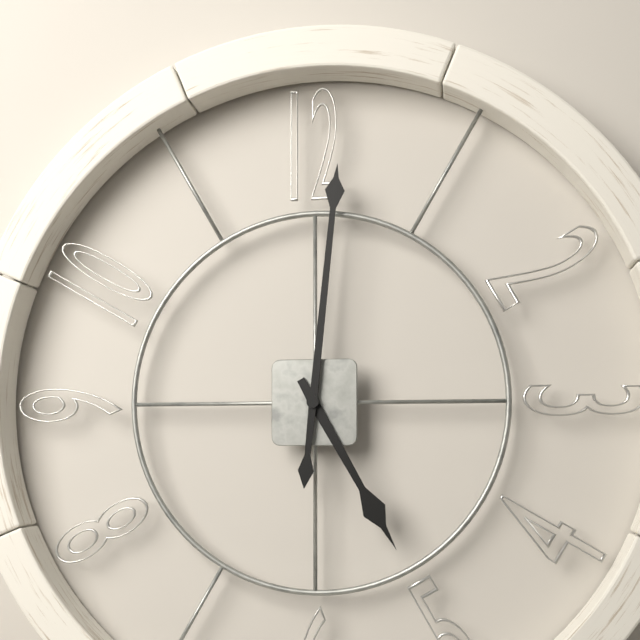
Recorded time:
5,01
